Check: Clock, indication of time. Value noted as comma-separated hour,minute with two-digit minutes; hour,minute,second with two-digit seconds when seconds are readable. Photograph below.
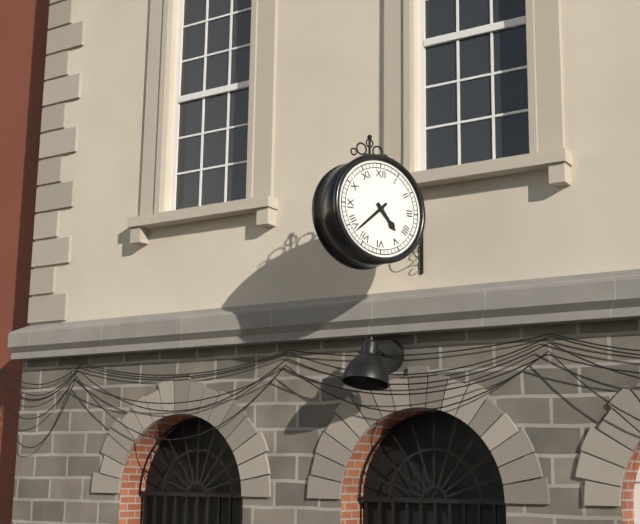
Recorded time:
4,38
